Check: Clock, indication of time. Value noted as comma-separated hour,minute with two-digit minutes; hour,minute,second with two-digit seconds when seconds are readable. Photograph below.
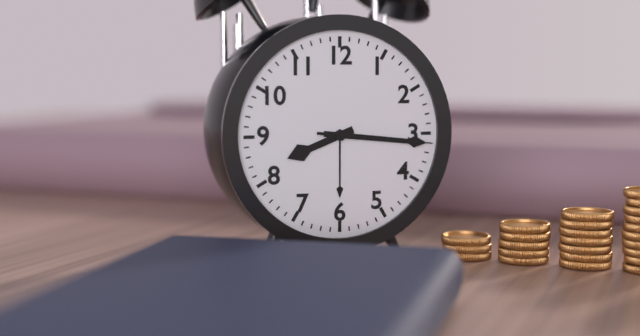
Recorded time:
8,16,16
